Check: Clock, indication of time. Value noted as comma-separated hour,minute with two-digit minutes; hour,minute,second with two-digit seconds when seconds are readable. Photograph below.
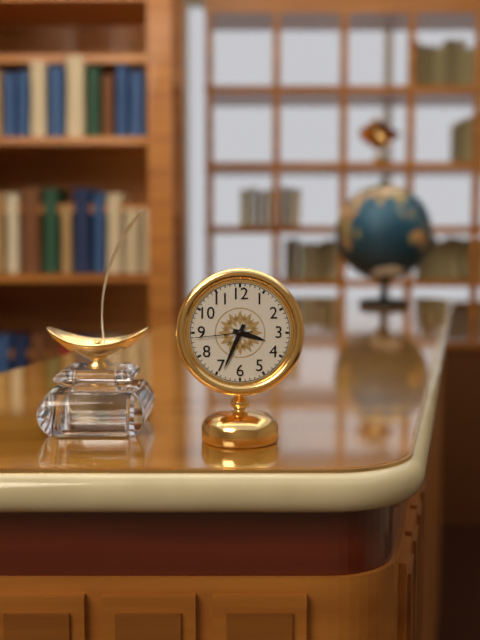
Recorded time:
3,34,44
